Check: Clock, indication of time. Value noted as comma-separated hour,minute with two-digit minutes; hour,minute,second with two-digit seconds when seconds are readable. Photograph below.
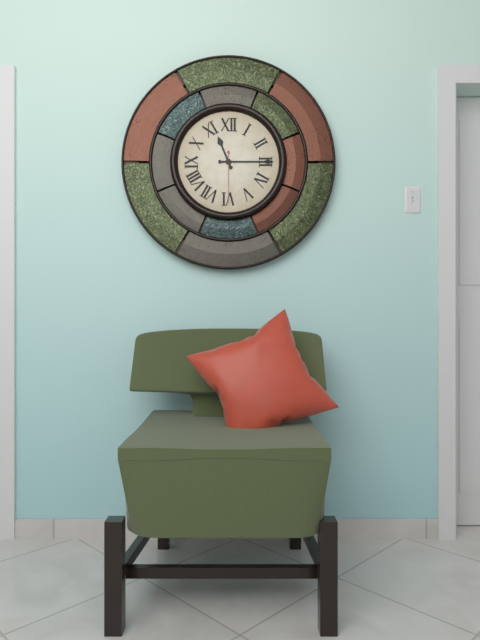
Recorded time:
11,15,30
